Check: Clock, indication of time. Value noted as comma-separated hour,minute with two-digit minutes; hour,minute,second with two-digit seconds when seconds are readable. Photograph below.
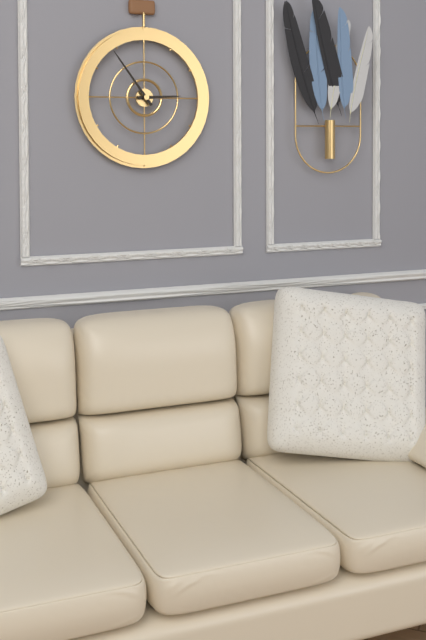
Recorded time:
2,54
